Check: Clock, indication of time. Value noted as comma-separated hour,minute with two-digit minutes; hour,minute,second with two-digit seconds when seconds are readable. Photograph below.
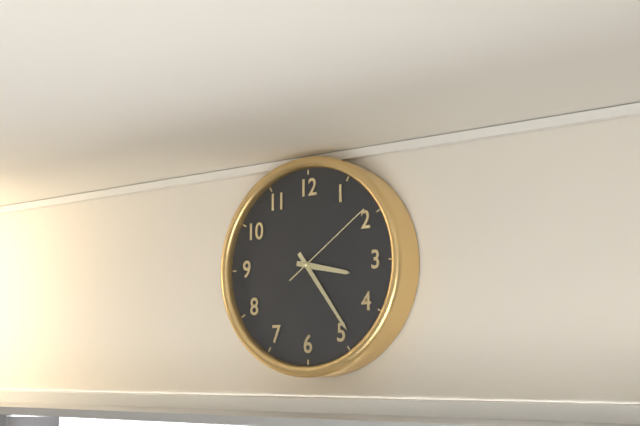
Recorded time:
3,24,09
